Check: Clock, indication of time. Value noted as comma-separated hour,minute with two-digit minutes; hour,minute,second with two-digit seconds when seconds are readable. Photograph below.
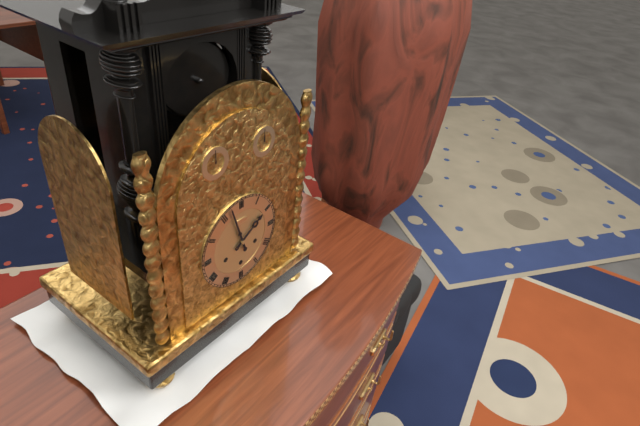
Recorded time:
1,57
